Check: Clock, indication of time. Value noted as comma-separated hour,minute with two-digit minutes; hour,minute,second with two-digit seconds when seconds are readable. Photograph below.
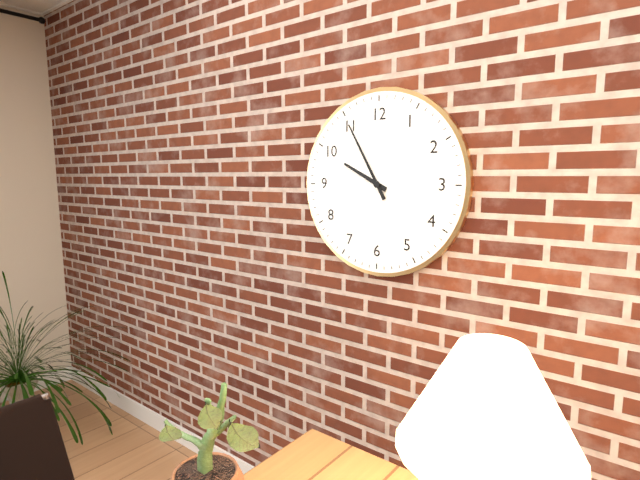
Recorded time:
9,55
